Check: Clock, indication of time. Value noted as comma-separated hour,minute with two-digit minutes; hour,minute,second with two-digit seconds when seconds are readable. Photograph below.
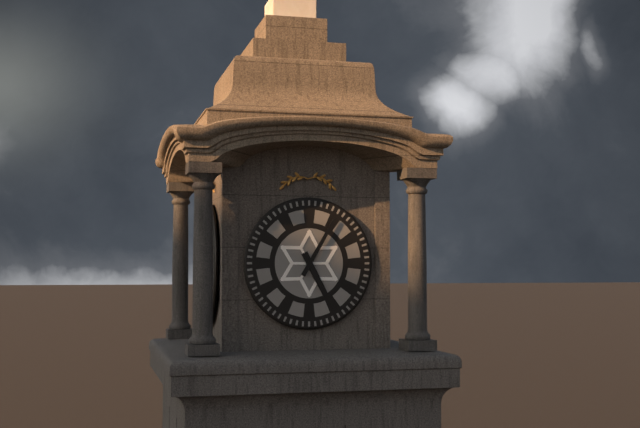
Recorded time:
5,05
